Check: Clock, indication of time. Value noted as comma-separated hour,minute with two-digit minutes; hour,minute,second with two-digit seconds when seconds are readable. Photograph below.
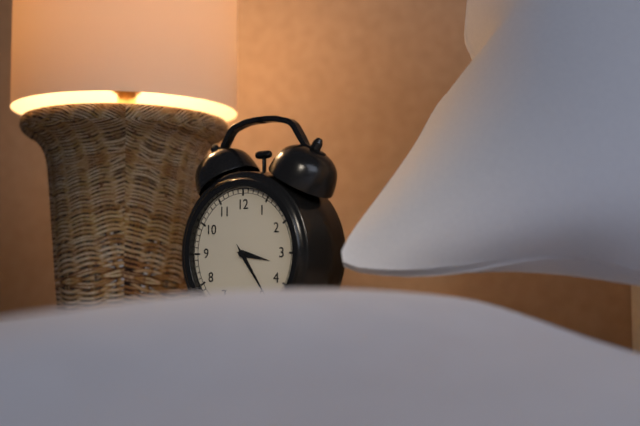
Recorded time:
3,24
